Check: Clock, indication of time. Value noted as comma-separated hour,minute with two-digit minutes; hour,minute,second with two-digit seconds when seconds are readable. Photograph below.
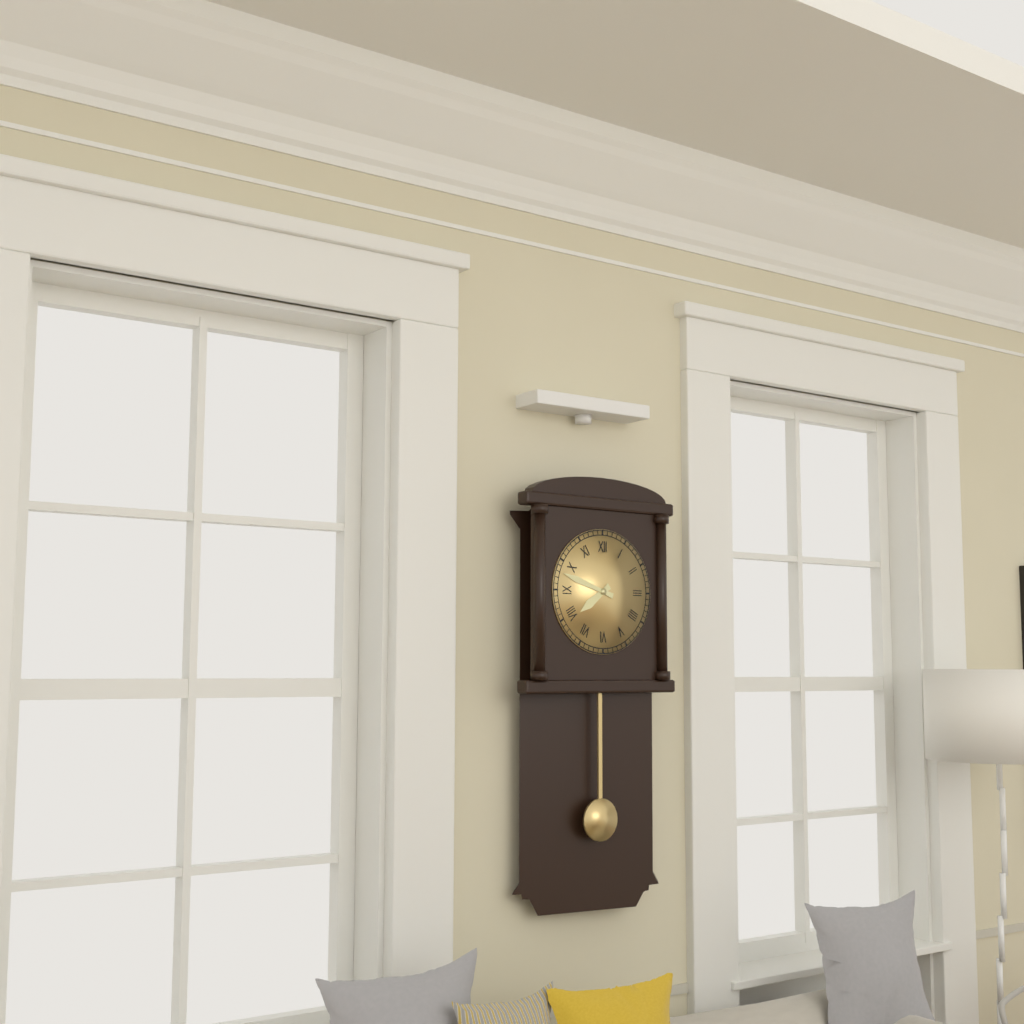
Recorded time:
7,48
